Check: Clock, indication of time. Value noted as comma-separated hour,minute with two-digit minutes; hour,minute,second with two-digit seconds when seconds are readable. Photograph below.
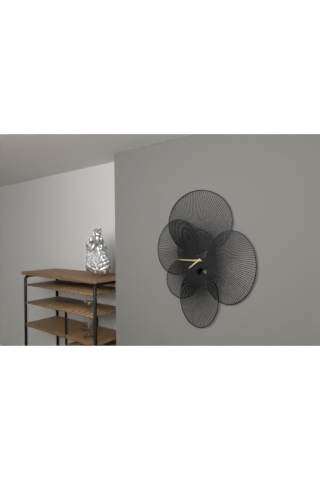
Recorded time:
7,45
